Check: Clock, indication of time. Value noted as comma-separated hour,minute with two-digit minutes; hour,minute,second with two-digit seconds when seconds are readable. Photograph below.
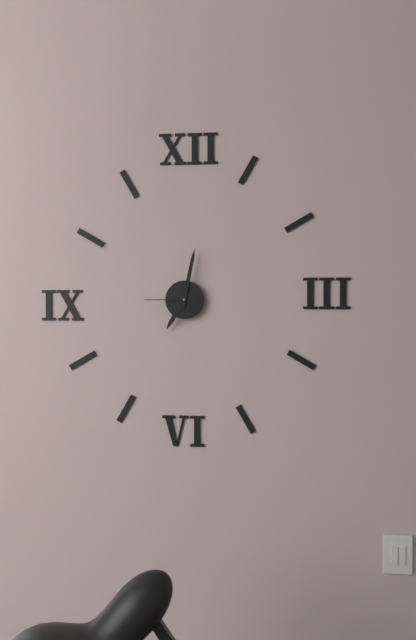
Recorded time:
7,02,45
